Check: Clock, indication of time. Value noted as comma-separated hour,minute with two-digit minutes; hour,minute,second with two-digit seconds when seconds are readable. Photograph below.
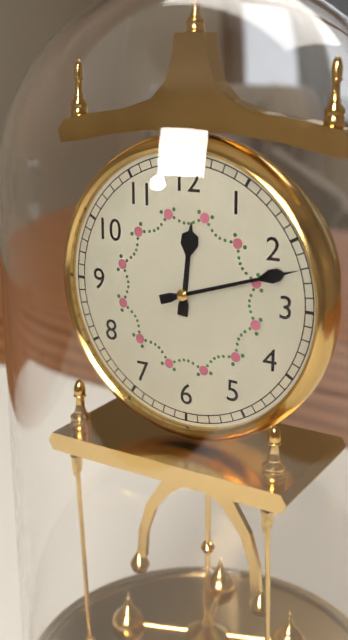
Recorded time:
12,12
